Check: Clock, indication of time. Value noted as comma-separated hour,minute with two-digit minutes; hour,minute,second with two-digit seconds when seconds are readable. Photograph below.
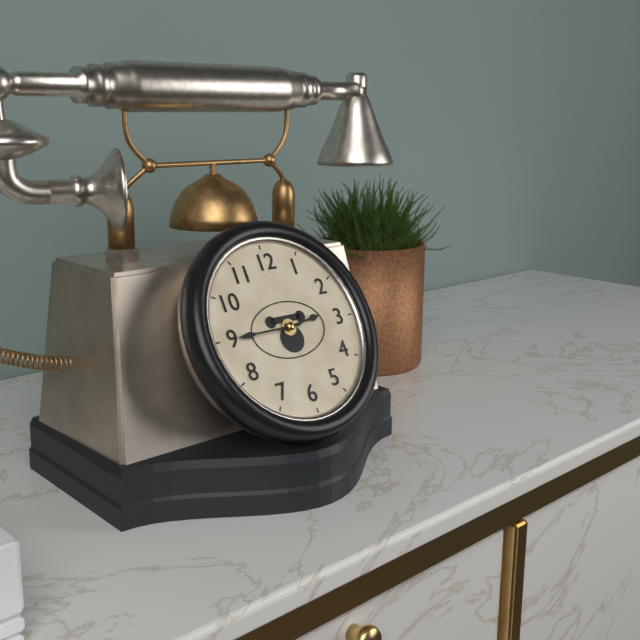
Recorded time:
2,45
